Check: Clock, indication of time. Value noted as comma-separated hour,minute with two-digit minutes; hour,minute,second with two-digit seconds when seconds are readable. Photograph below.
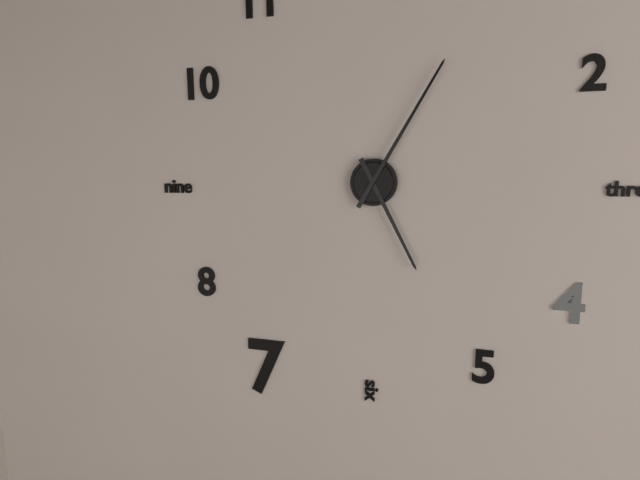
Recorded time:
5,05
